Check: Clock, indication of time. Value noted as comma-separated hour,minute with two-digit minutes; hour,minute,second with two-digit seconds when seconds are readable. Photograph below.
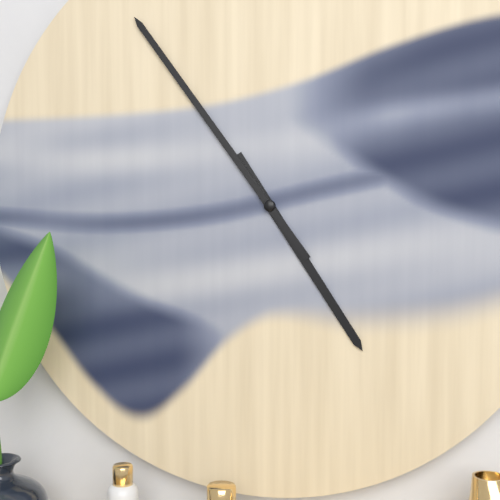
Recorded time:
4,54
